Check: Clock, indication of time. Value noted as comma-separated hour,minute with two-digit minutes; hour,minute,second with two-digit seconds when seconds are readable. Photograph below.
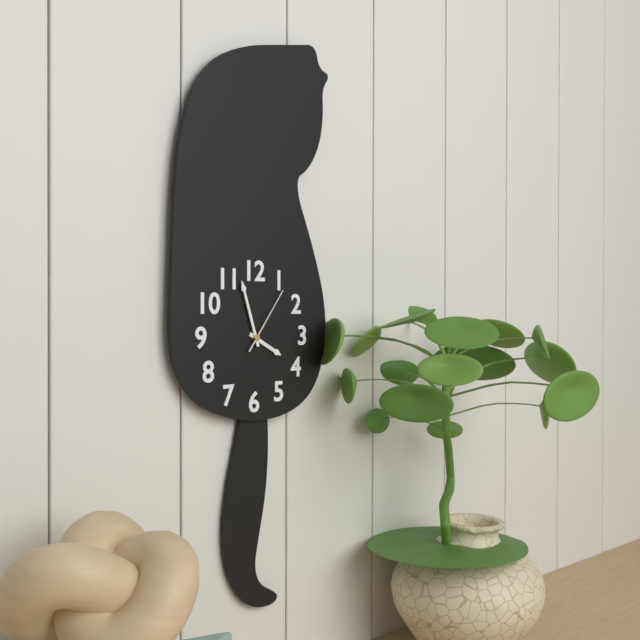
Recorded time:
3,57,06
